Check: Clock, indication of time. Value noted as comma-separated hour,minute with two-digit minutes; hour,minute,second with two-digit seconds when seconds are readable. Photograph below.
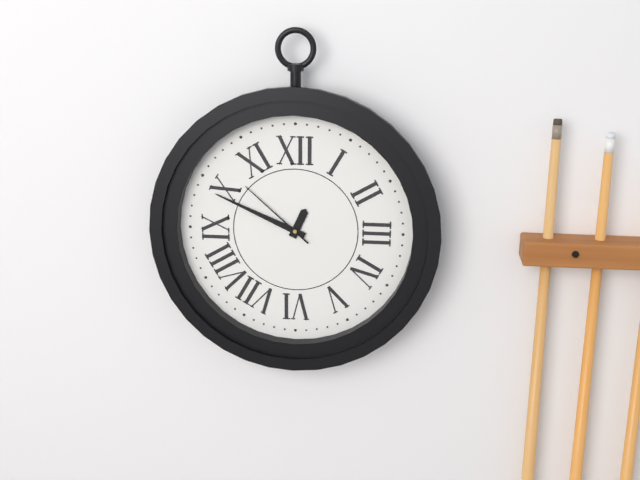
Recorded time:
12,49,52
